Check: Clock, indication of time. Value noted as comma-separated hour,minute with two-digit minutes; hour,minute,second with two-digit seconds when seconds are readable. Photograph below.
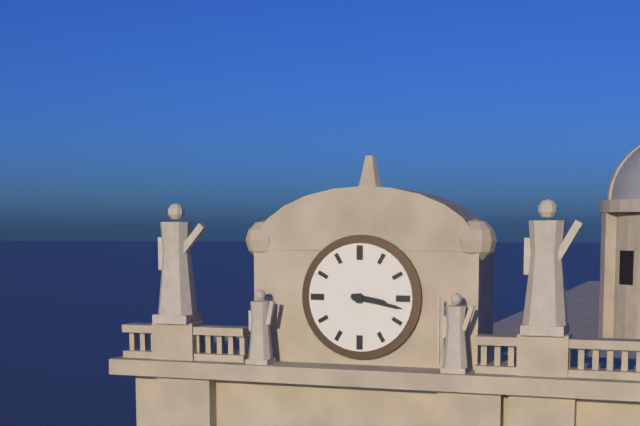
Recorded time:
3,17
